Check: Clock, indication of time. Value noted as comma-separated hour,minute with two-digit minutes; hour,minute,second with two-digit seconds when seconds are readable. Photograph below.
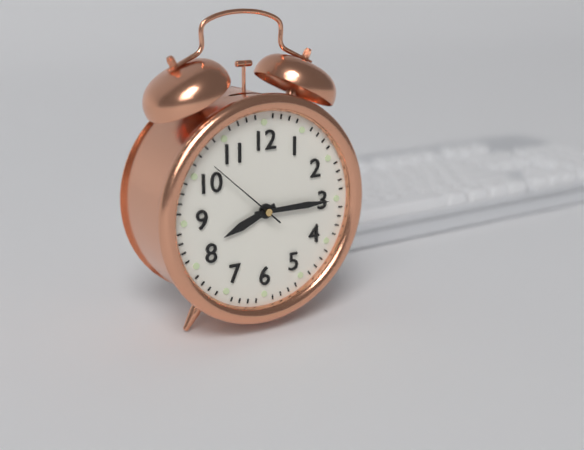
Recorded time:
8,15,52
